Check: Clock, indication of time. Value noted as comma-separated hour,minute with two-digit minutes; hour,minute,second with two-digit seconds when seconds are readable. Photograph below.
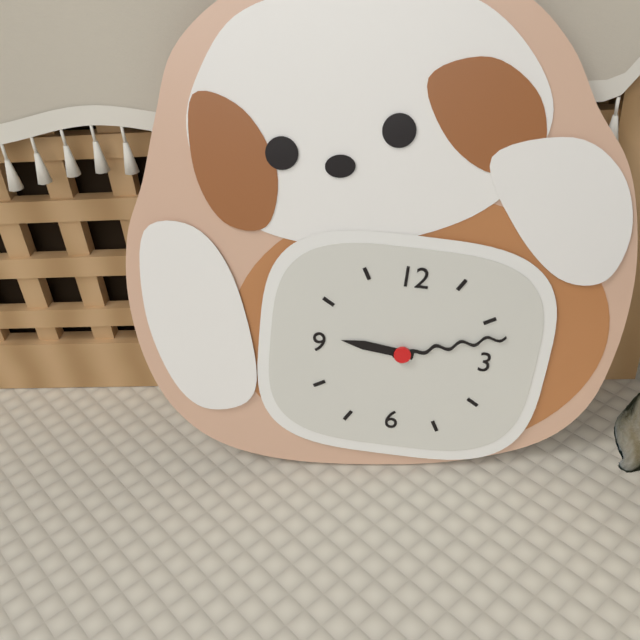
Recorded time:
9,12
